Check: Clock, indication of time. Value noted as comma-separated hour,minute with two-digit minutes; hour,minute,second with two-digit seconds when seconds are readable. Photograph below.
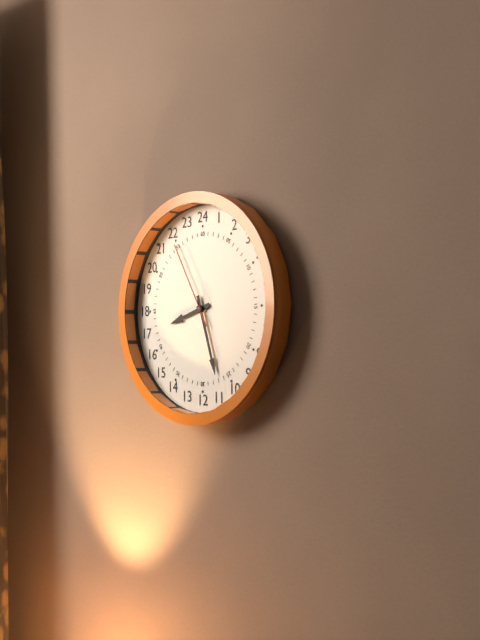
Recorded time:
8,27,55
